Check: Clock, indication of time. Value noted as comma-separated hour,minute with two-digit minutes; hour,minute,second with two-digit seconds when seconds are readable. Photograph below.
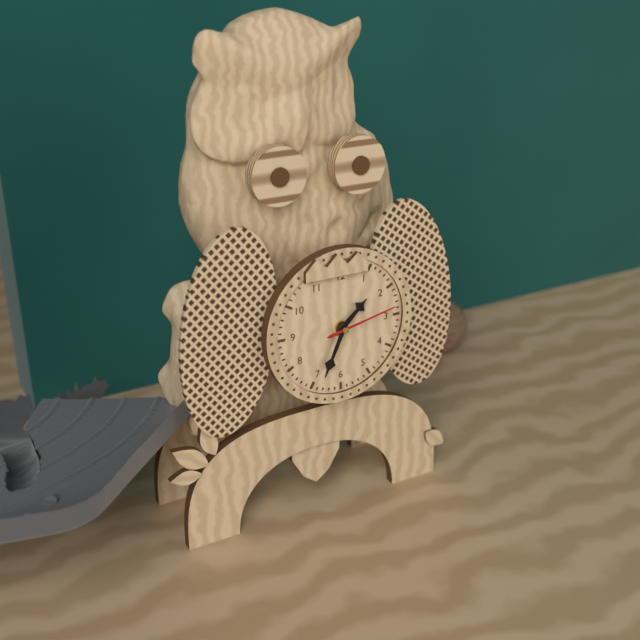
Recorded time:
1,34,13
